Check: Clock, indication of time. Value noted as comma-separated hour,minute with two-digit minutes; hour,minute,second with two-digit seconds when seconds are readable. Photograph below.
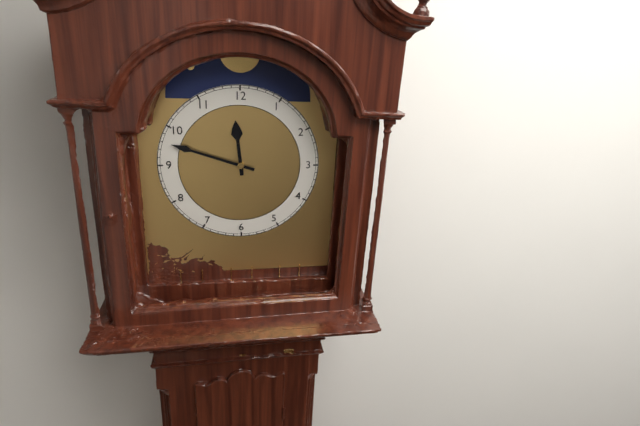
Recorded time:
11,48
